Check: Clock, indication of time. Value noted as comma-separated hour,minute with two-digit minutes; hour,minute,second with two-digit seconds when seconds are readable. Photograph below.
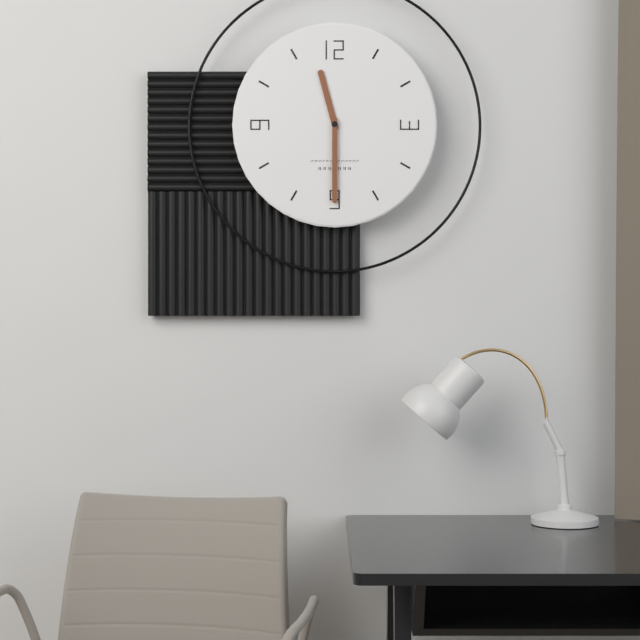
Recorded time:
11,30
